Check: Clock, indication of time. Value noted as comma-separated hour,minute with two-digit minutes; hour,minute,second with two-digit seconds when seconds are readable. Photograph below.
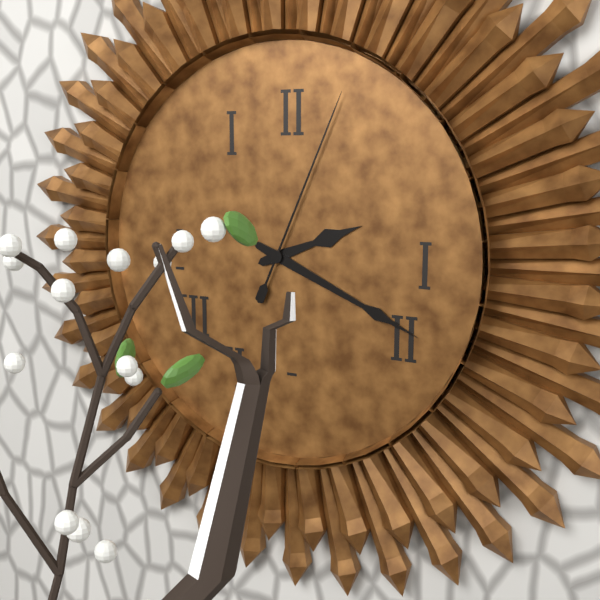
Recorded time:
2,19,04
